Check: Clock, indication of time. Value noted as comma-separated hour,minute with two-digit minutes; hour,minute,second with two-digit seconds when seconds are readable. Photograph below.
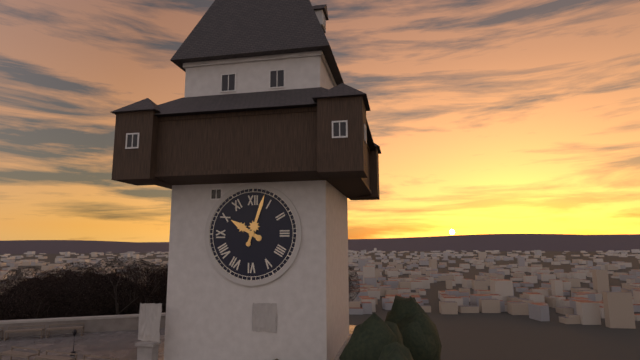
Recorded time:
10,03
